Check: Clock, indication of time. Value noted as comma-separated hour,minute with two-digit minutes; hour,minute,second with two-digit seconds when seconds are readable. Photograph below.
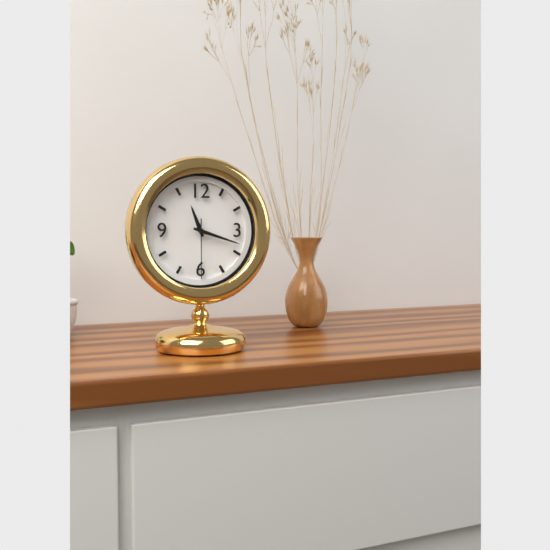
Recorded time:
11,18,30
